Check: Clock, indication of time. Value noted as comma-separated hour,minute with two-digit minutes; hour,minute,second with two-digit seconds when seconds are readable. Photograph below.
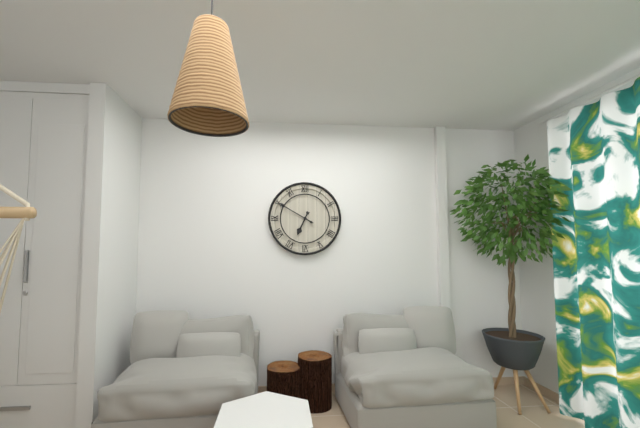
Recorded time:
6,50
